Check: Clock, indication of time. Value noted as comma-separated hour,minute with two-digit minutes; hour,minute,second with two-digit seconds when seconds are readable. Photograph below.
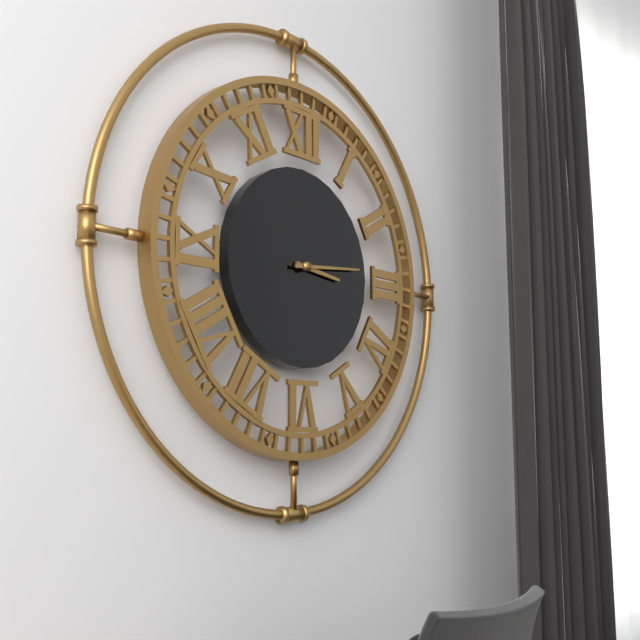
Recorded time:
3,14
